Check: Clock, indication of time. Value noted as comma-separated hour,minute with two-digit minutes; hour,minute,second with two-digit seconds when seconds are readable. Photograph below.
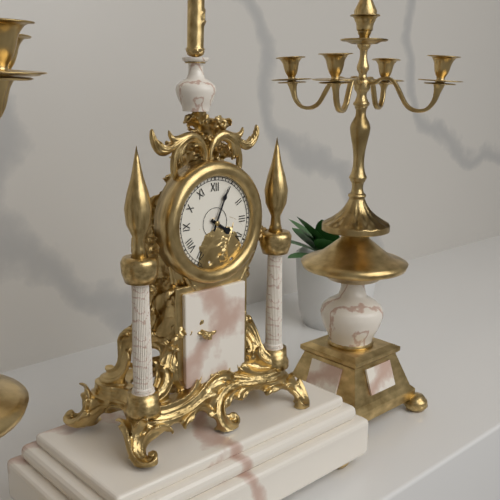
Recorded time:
4,04
